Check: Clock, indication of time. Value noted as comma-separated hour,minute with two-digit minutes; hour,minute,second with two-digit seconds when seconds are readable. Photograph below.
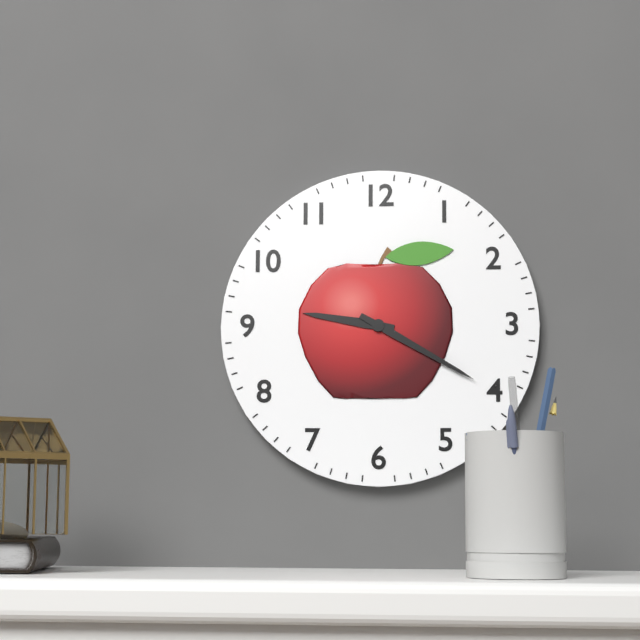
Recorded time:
9,20
